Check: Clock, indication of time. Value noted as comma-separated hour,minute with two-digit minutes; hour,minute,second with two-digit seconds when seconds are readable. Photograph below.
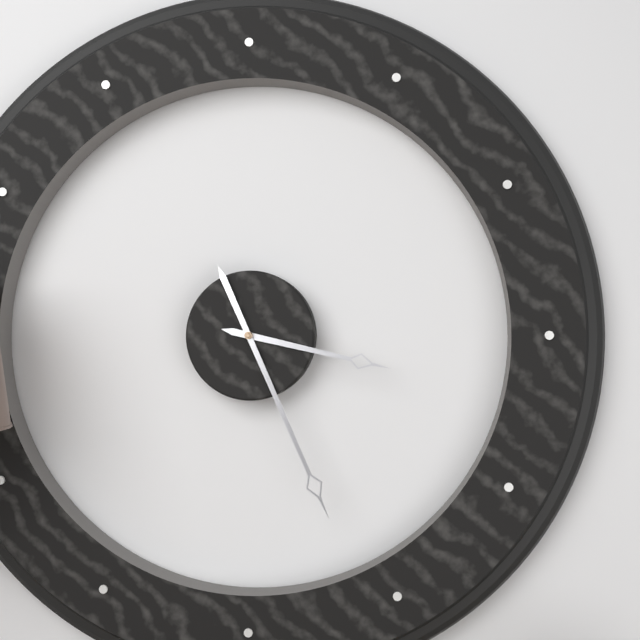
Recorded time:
3,26
